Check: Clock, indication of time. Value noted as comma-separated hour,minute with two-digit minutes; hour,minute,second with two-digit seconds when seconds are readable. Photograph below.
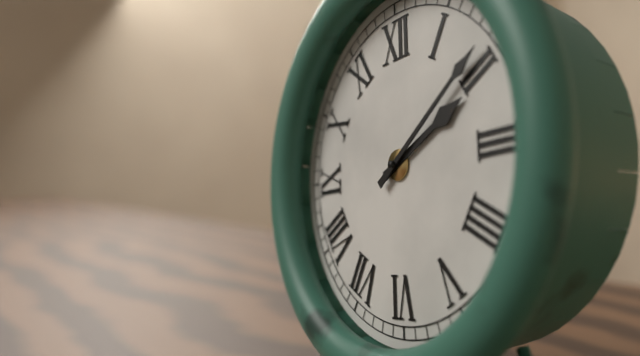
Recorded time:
2,09
